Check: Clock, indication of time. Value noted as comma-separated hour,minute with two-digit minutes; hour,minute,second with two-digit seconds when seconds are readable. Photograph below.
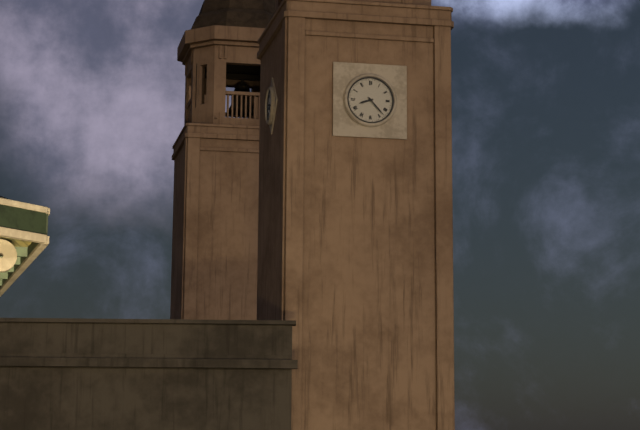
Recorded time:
8,23
